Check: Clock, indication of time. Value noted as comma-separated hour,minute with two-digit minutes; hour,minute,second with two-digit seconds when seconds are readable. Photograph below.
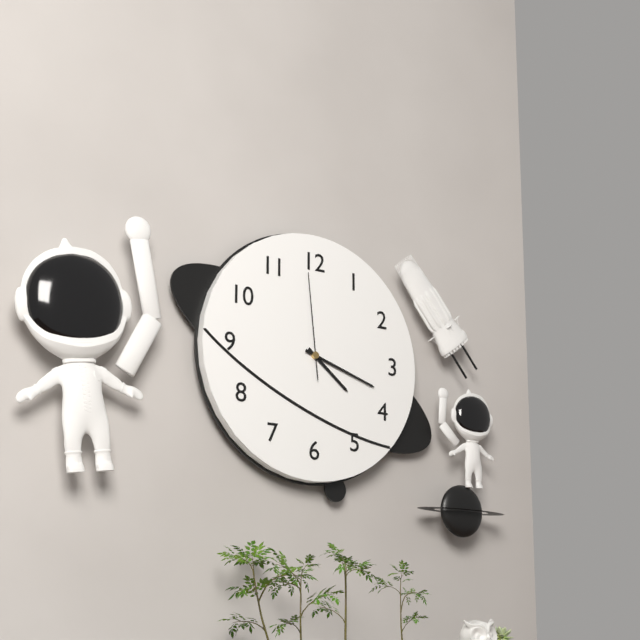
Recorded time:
4,18,59
